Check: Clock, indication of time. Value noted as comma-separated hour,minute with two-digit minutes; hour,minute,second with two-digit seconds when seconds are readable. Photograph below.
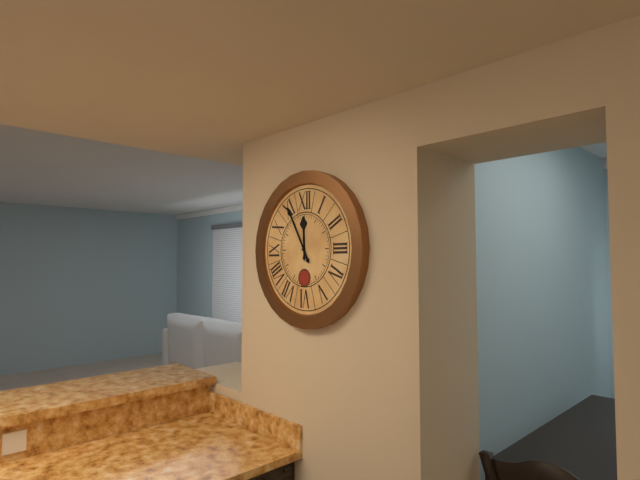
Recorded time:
11,55
